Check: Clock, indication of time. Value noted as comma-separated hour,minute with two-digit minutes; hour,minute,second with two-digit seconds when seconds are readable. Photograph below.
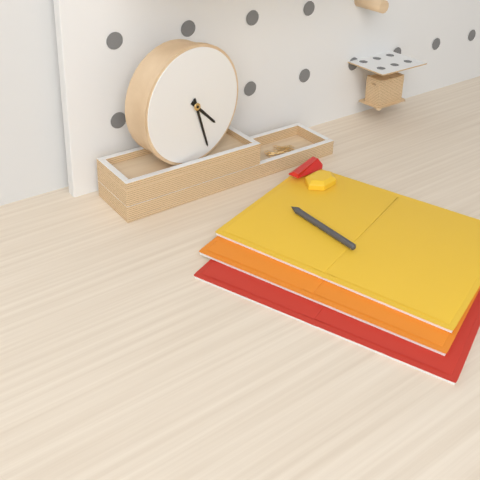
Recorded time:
4,27
